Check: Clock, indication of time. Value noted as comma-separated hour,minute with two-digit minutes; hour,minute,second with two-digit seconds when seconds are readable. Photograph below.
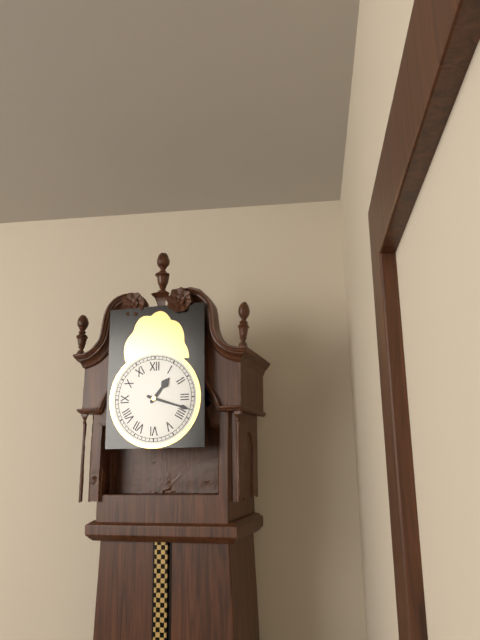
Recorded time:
1,18
